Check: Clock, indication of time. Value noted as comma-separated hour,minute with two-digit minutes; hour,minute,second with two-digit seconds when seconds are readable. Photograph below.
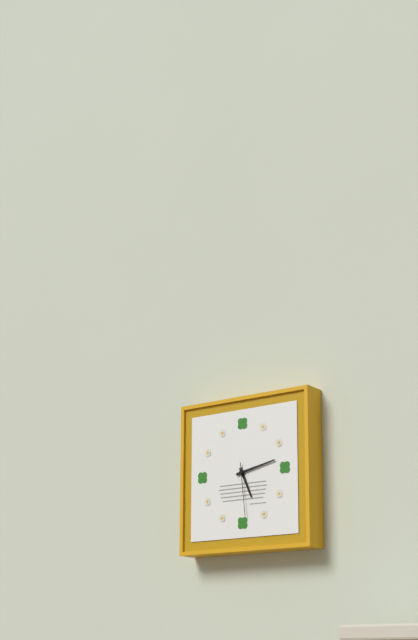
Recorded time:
5,13,29
